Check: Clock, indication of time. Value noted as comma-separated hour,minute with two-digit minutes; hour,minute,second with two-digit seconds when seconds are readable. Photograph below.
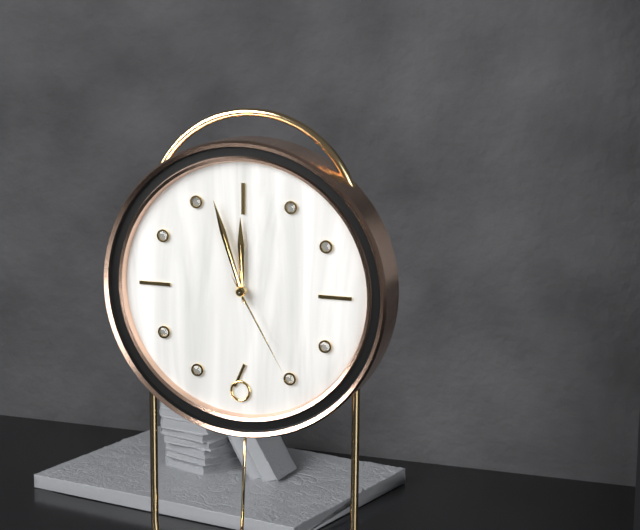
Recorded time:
11,57,25
